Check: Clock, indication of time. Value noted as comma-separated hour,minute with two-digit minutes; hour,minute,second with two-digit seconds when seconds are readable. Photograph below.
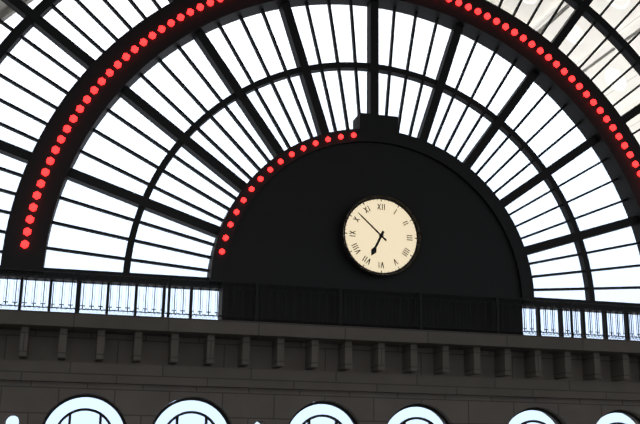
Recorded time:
6,52
